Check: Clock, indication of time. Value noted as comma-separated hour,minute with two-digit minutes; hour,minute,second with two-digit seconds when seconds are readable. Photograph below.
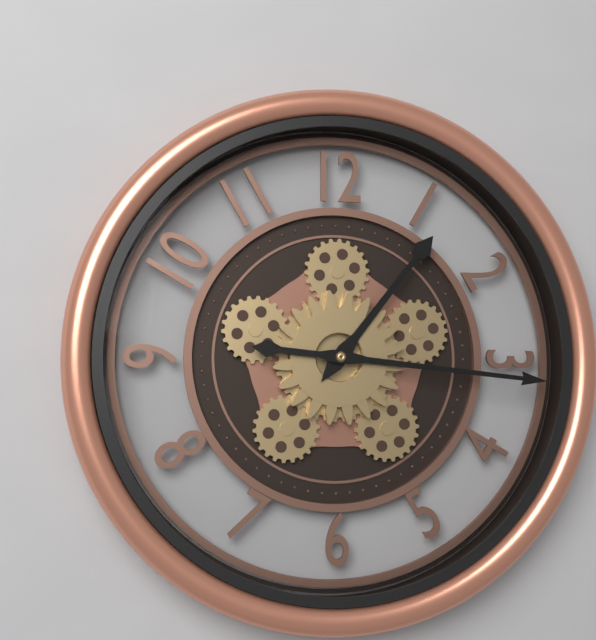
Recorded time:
1,16
